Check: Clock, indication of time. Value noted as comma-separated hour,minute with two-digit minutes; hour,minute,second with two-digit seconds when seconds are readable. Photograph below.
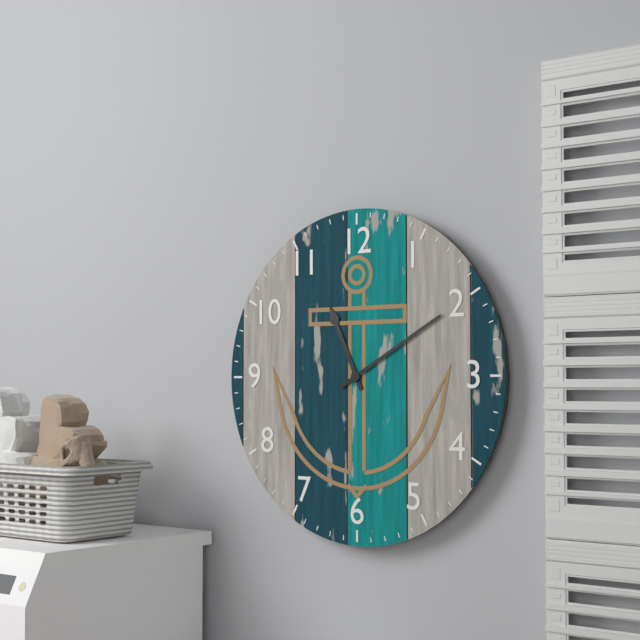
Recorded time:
11,10
